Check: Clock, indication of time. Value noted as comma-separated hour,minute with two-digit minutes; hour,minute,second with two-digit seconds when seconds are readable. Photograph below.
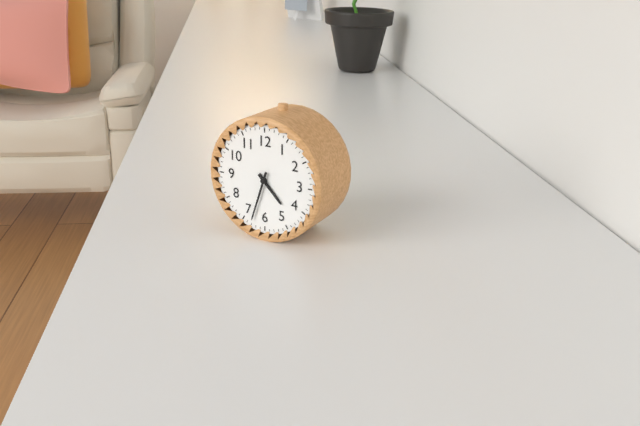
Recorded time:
4,33
